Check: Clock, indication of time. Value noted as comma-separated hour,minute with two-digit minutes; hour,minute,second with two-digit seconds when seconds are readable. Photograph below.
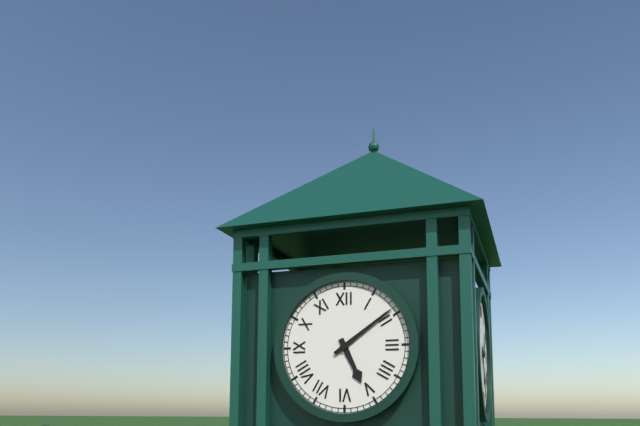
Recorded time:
5,09
